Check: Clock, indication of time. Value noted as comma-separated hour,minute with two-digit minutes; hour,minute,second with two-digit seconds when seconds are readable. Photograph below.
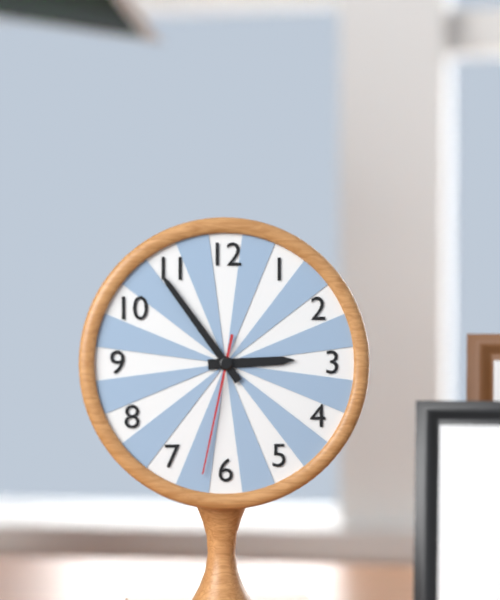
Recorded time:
2,54,32
